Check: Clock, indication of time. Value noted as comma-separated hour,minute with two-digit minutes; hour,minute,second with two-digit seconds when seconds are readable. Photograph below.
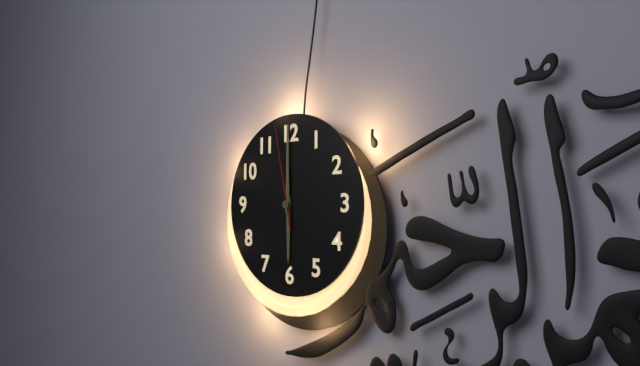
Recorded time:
6,00,58
